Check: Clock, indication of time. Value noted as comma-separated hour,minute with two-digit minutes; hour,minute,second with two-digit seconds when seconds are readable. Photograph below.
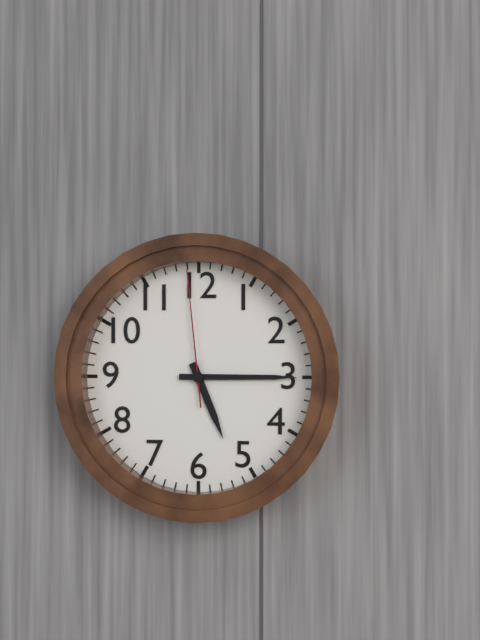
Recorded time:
5,15,59
